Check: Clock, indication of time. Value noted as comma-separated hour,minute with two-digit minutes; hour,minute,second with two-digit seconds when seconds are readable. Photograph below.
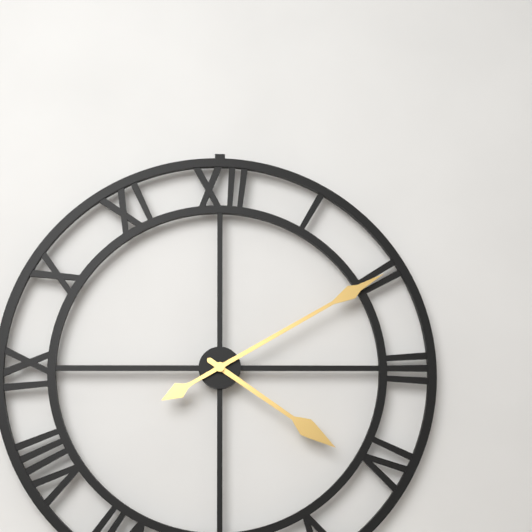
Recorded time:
4,10
